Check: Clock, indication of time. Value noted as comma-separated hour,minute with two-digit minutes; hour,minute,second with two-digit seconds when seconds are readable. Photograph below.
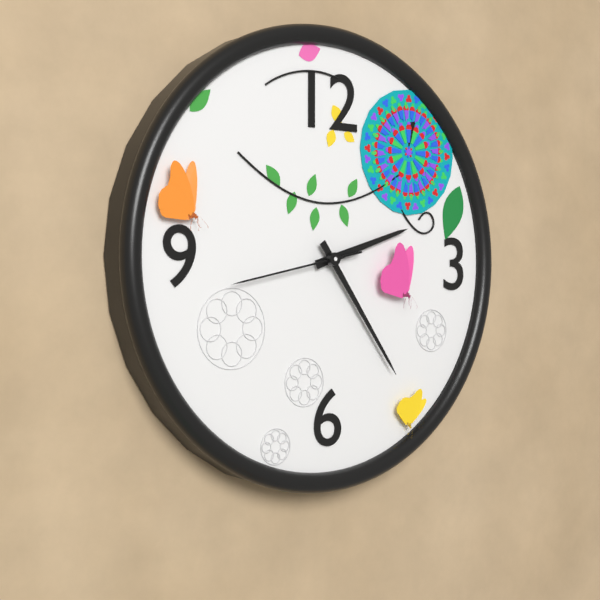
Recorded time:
2,24,43
